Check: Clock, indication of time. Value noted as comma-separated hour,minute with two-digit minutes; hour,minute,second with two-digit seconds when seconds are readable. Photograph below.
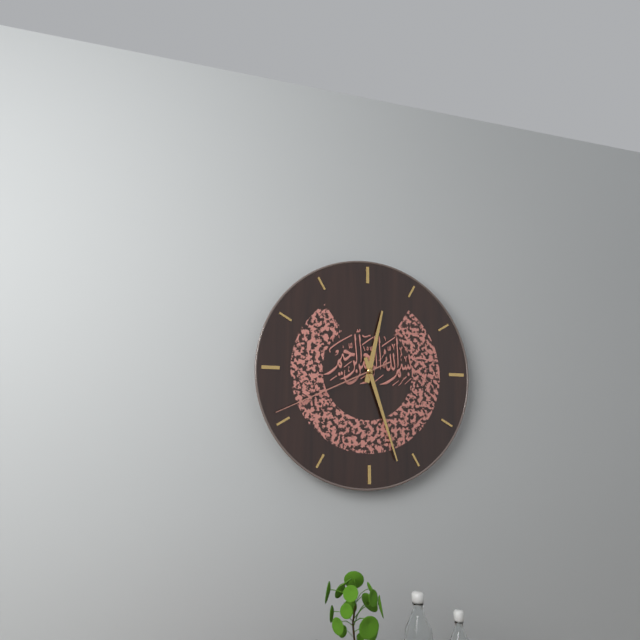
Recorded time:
12,27,41
